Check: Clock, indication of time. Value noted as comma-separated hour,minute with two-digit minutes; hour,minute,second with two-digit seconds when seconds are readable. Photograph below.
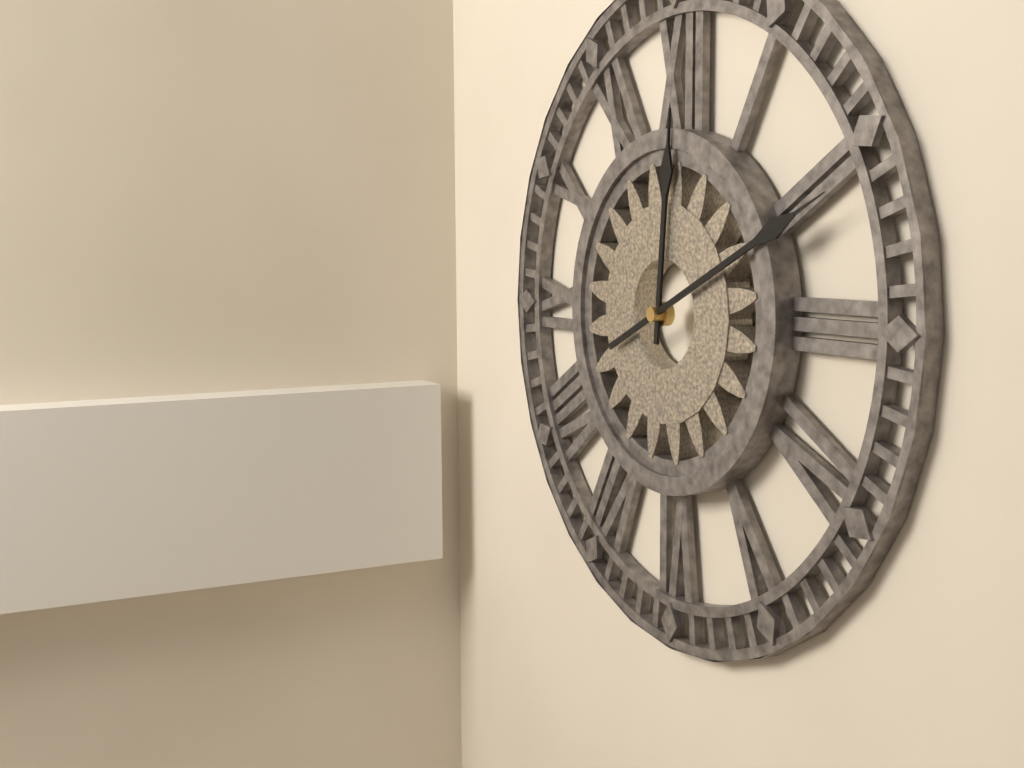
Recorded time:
12,11
